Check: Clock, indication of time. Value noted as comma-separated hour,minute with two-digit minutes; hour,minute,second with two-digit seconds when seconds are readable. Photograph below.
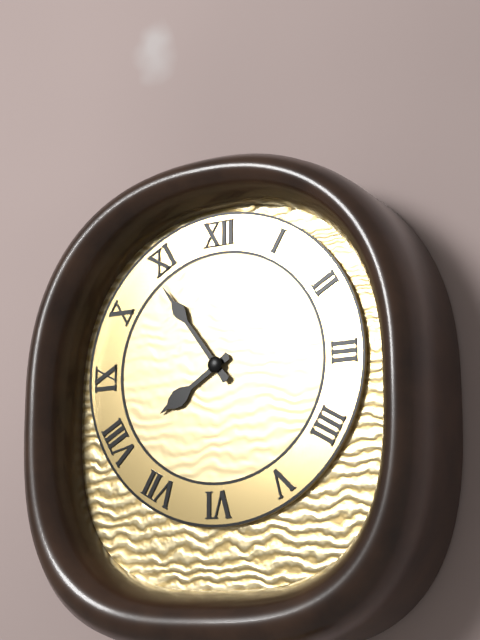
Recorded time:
7,54
